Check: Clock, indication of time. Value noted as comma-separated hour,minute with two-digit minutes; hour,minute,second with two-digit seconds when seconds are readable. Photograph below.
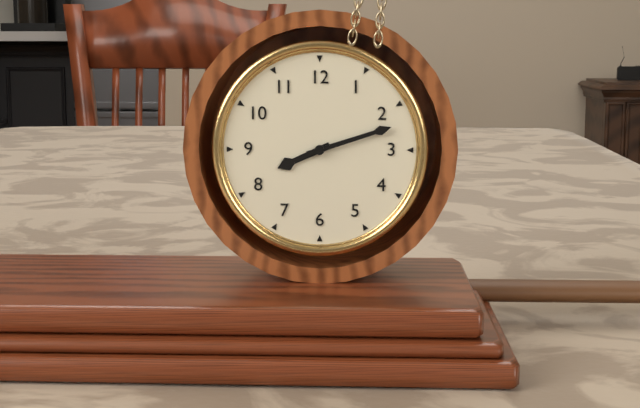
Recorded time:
8,12
